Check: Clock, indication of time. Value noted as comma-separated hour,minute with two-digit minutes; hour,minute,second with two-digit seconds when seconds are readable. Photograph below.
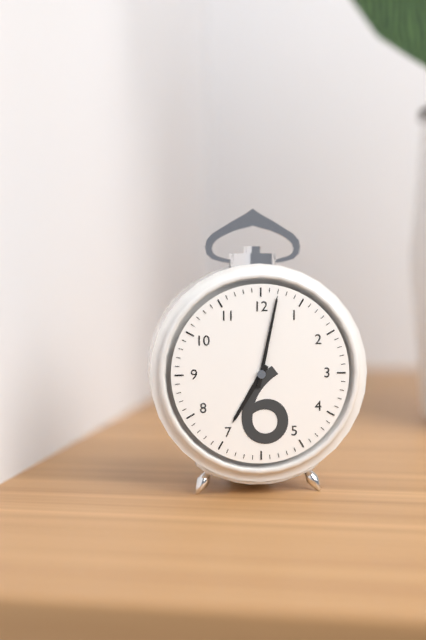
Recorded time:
7,02
